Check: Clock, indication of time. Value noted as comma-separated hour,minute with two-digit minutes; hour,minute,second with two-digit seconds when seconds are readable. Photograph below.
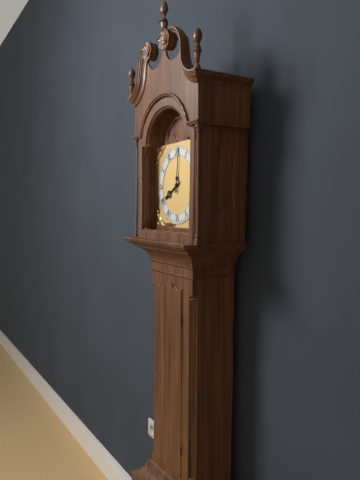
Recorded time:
8,01
